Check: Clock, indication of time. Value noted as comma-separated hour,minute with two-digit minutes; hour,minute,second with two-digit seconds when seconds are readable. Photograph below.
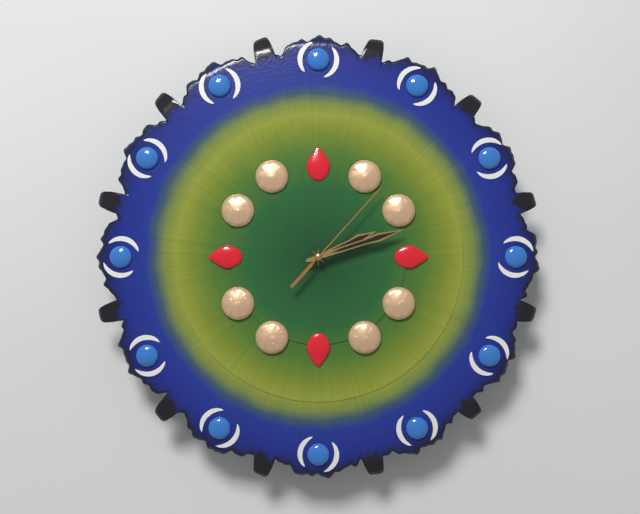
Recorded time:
2,12,07
